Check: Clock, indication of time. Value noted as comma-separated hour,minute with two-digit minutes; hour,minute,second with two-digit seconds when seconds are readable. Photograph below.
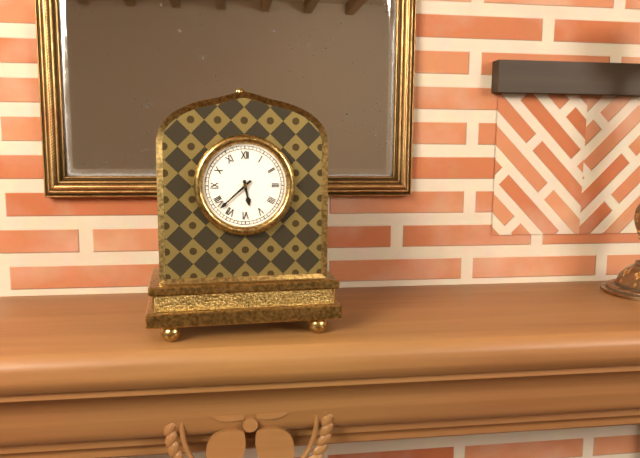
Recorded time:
5,38
